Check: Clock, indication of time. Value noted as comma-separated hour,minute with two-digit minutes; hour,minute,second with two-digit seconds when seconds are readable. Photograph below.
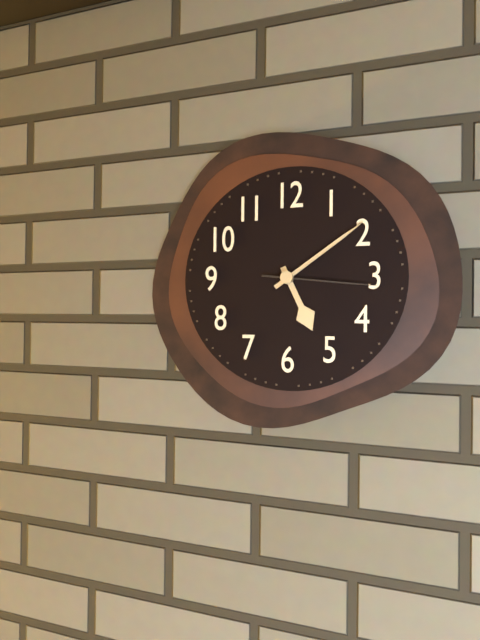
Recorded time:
5,09,16
